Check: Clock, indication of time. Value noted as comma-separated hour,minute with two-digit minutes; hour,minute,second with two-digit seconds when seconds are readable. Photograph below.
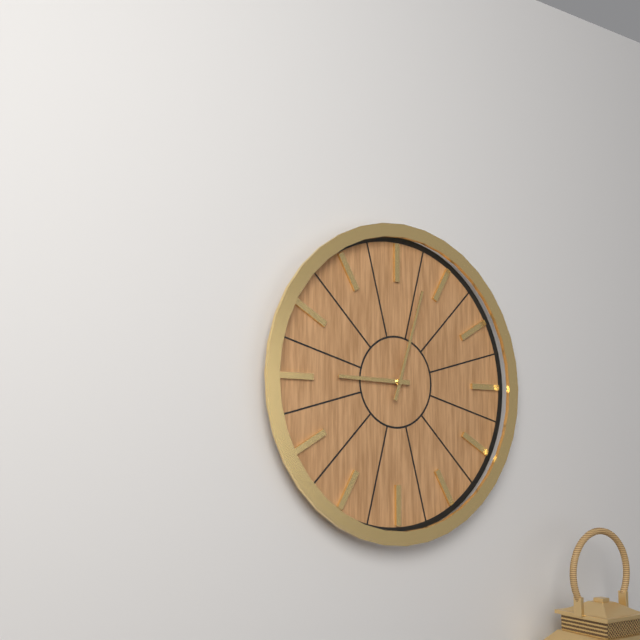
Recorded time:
9,03
